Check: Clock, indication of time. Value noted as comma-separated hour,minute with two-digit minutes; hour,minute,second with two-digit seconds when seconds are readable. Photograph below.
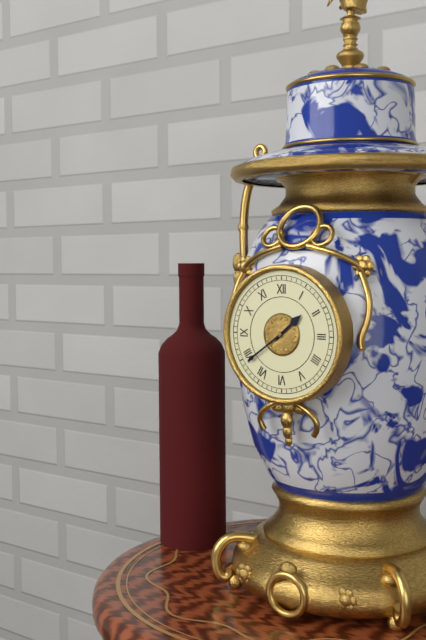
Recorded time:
1,39
